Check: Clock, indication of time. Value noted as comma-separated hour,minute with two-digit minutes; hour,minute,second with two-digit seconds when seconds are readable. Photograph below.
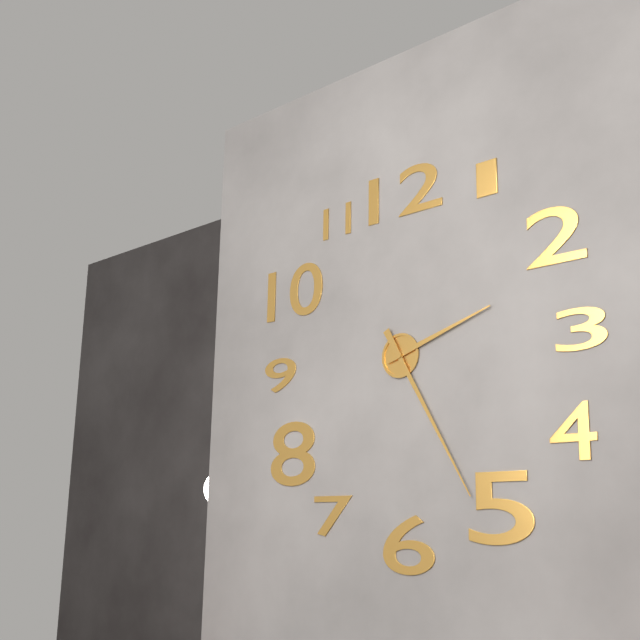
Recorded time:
2,25
